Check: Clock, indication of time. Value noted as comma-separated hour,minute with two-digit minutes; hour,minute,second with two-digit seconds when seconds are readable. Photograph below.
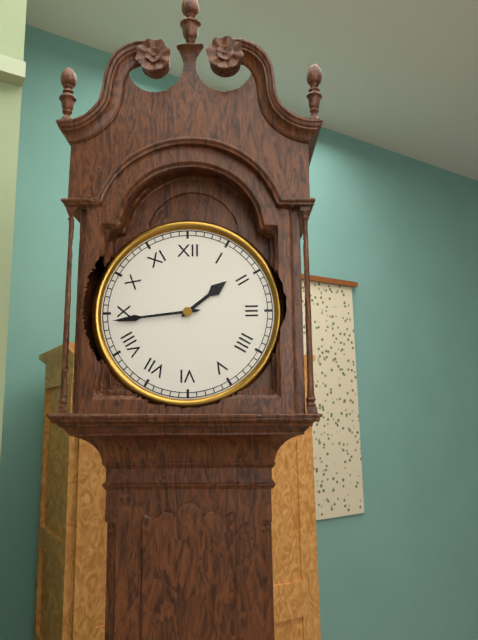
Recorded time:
1,44
